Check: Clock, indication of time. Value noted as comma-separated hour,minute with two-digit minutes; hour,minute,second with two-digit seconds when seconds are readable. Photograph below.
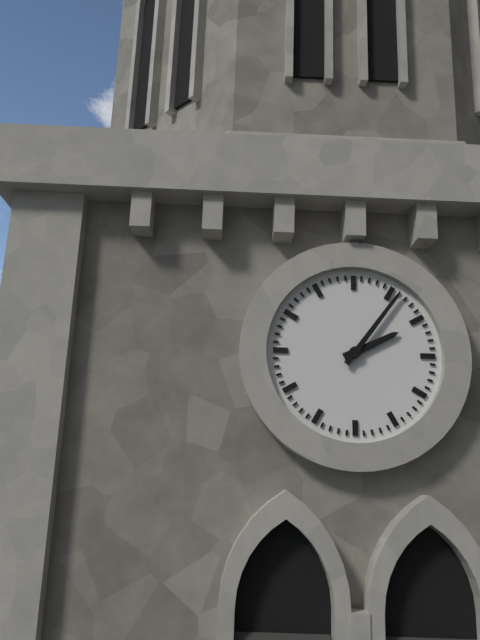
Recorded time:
2,06
